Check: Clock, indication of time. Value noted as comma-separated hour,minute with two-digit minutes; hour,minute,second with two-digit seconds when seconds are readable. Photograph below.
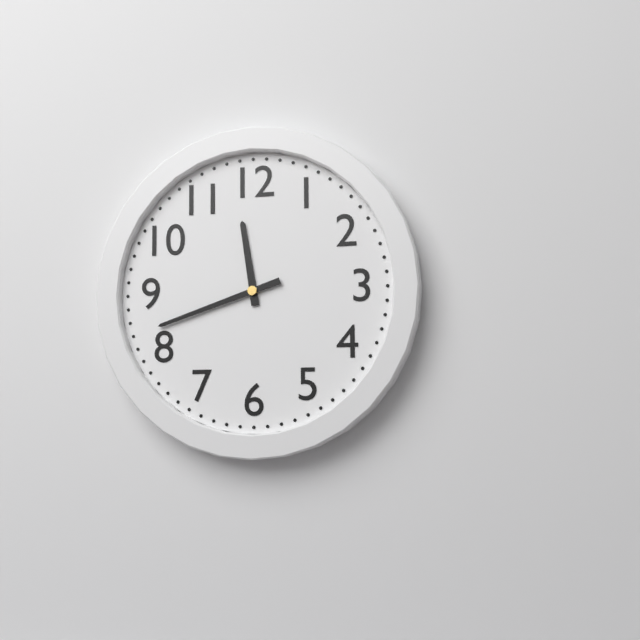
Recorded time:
11,42
